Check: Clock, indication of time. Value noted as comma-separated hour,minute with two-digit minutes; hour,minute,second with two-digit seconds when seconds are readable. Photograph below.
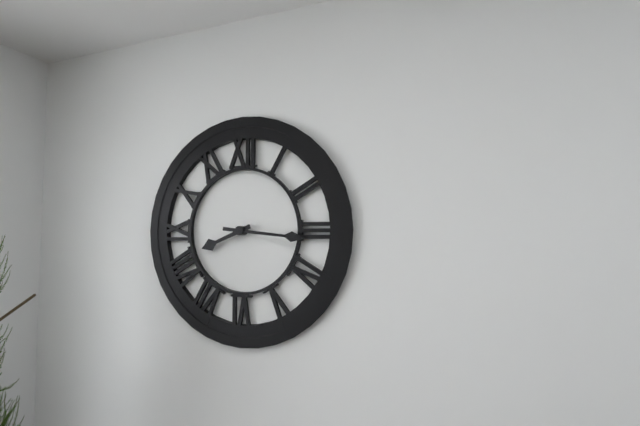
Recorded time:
8,16
